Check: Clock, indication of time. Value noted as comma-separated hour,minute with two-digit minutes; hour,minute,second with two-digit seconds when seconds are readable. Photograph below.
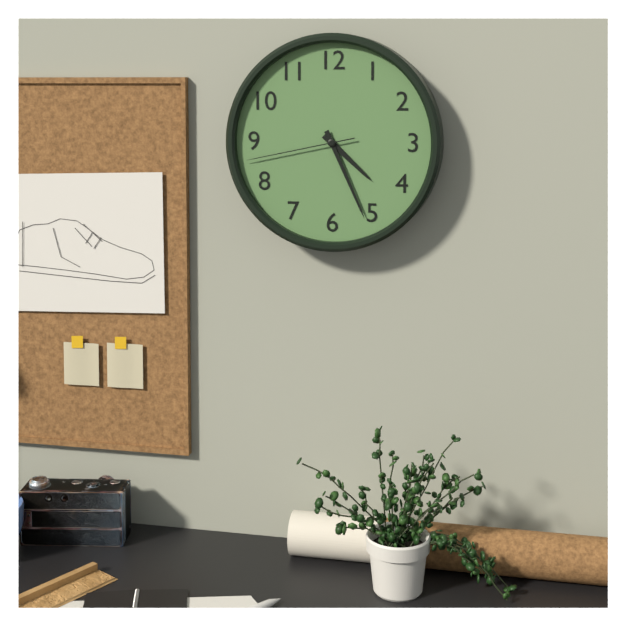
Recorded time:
4,26,43
